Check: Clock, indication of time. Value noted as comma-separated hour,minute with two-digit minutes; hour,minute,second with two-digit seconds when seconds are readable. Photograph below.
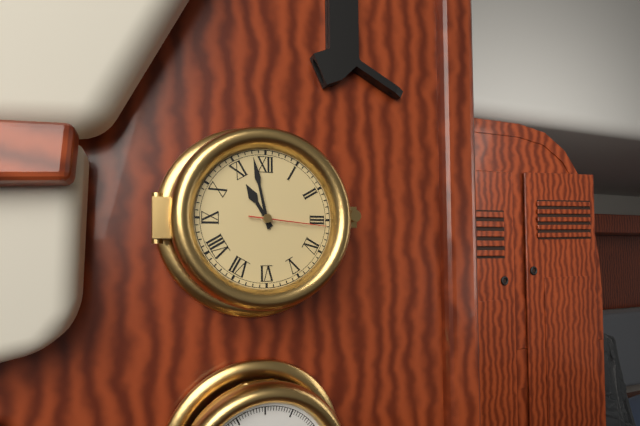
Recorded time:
10,58,16
